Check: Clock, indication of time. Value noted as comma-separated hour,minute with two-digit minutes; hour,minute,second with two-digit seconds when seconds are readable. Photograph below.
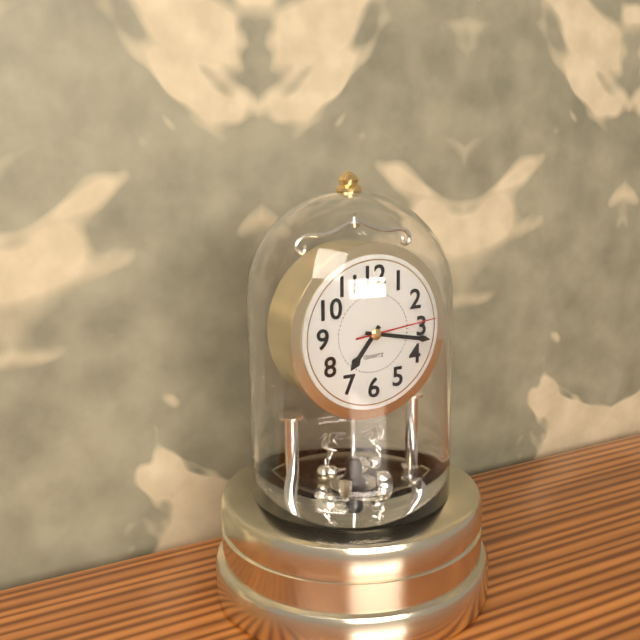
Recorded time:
7,17,14
